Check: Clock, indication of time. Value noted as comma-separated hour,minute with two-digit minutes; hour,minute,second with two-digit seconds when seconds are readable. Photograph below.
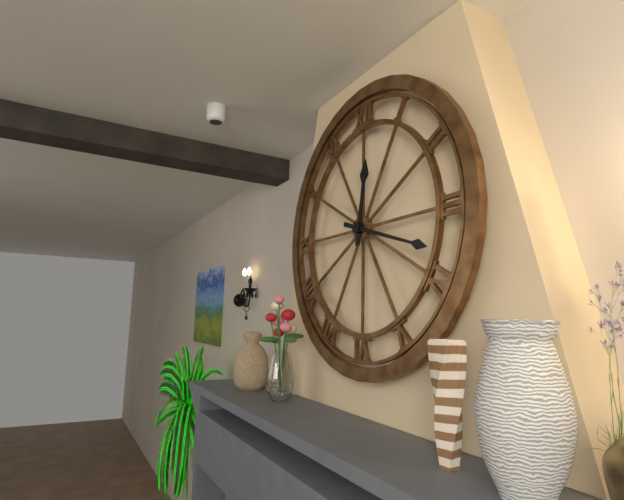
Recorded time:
12,18
